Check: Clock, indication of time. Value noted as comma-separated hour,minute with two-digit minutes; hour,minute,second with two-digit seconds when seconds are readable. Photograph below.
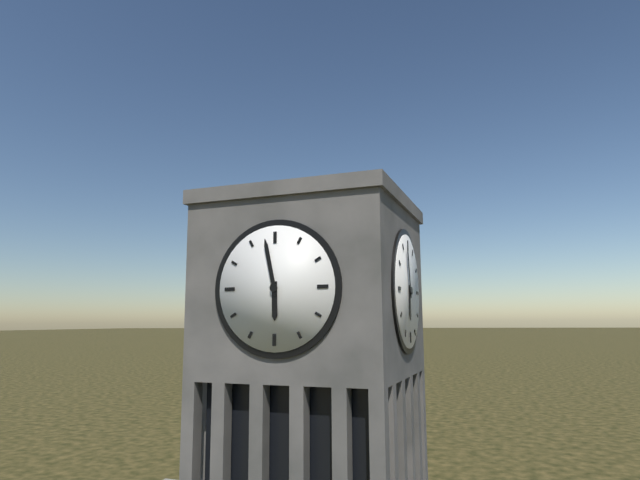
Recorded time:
5,58
